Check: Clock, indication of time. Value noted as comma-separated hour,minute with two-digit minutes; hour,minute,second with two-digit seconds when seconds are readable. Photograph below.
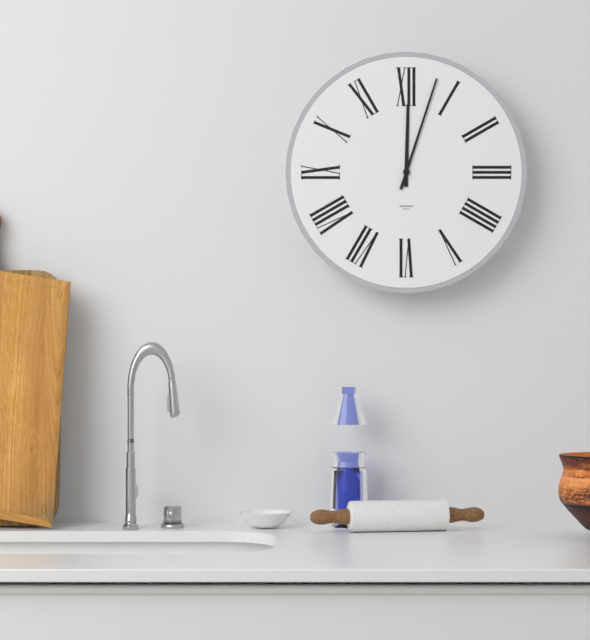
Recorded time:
12,03
